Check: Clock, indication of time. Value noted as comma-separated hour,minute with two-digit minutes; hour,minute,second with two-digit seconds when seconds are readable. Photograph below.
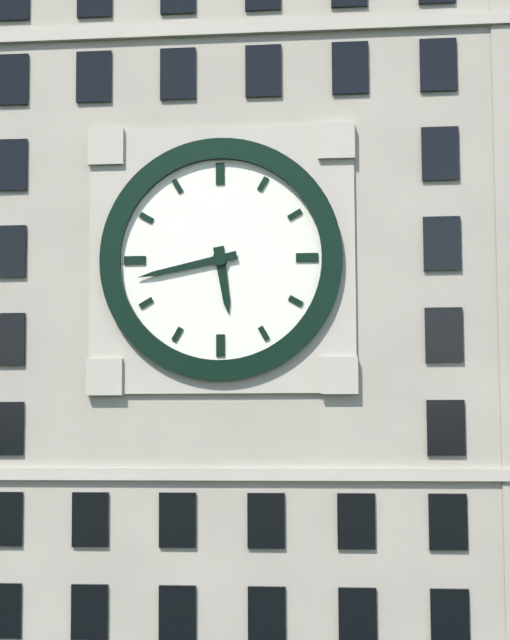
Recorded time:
5,43
